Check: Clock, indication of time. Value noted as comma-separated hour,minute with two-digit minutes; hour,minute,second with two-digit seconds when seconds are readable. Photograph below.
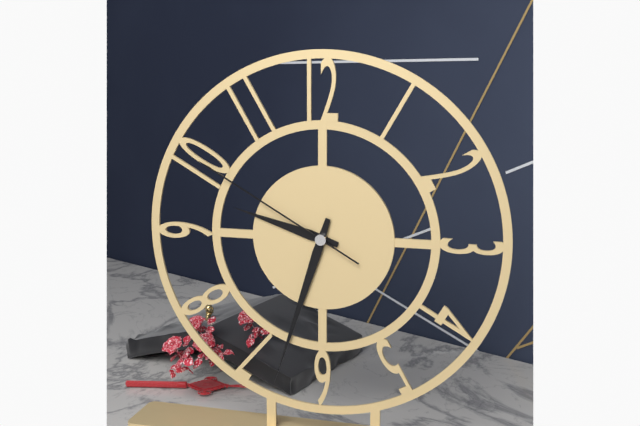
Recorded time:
9,33,50
